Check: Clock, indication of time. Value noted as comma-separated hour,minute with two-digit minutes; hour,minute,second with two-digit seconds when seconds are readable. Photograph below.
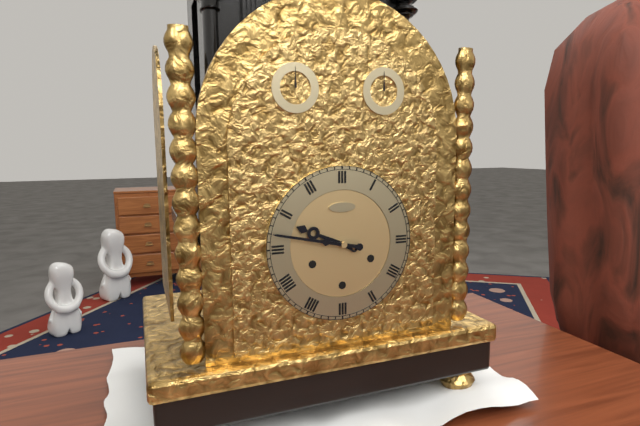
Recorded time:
9,47
